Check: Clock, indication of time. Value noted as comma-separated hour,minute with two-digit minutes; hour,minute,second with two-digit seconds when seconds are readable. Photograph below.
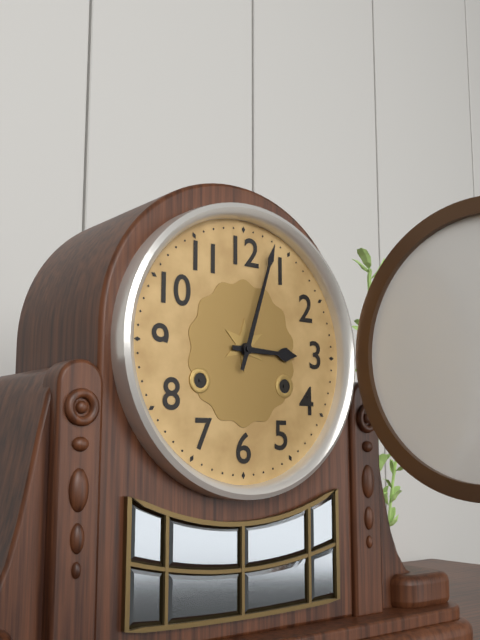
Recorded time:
3,03
